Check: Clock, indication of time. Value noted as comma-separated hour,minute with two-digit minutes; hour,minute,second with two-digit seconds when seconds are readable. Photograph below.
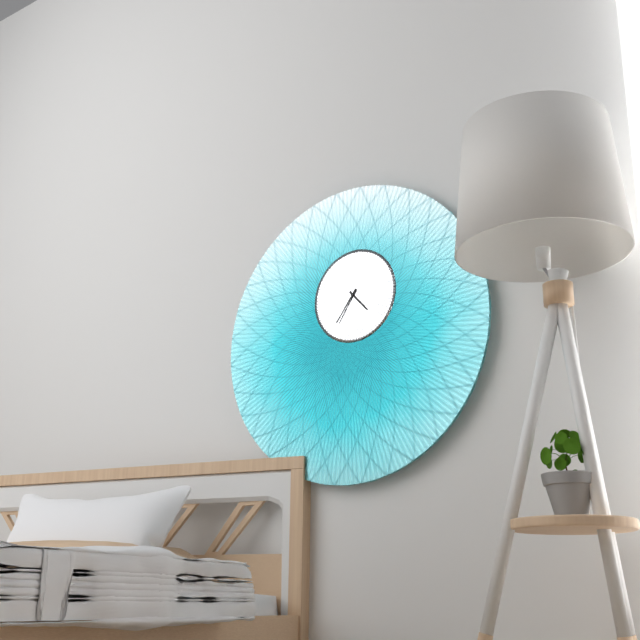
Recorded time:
4,36
